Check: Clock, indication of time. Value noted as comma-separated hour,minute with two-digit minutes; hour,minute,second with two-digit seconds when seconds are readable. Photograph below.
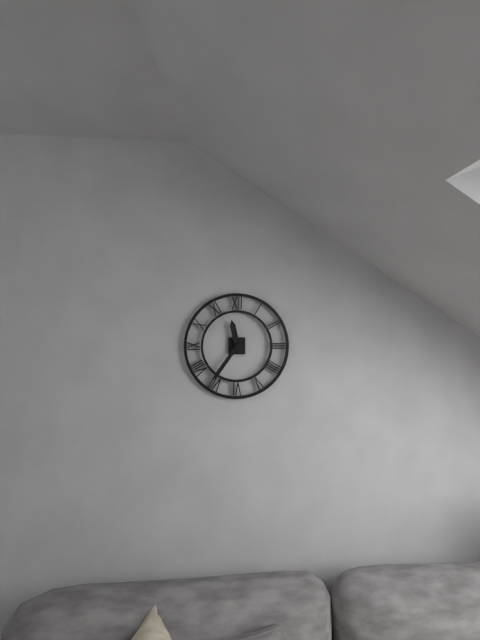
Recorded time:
11,36
